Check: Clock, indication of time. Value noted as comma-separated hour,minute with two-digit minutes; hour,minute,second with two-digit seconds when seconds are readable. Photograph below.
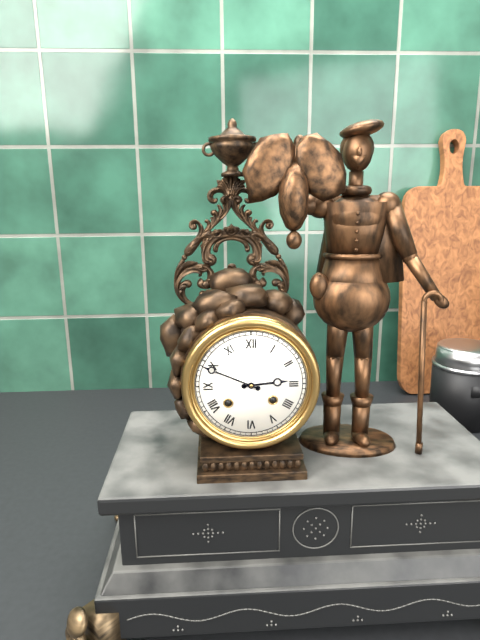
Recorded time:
2,49
